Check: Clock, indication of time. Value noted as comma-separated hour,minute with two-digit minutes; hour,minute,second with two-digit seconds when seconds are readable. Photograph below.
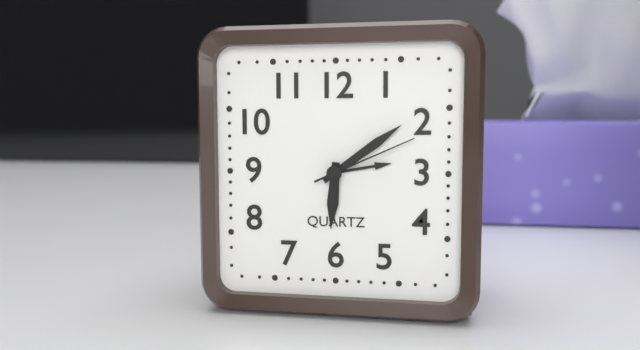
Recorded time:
6,09,11
